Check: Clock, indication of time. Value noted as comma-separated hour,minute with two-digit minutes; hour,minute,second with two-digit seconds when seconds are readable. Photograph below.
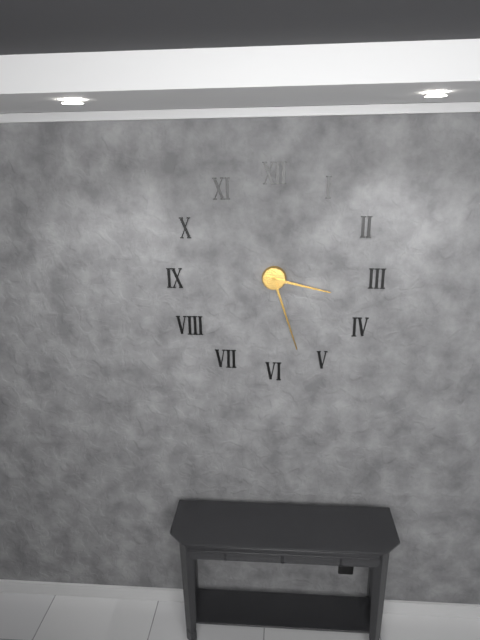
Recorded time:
3,27
